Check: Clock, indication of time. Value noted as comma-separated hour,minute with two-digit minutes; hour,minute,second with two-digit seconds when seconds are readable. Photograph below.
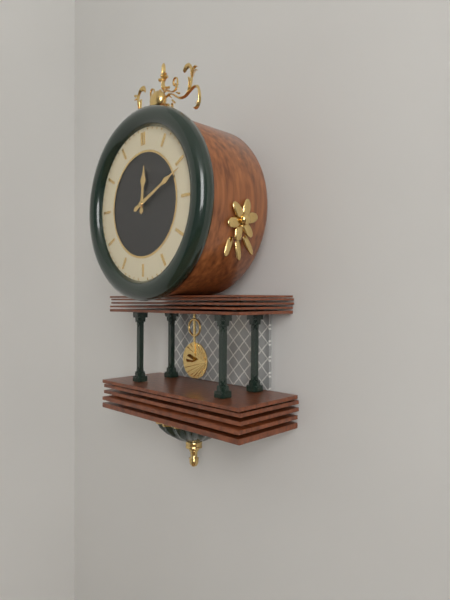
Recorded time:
12,11
